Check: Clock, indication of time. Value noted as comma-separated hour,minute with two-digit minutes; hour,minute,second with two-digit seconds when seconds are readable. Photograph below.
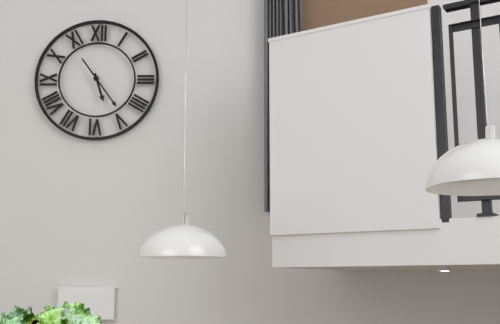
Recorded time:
5,24
